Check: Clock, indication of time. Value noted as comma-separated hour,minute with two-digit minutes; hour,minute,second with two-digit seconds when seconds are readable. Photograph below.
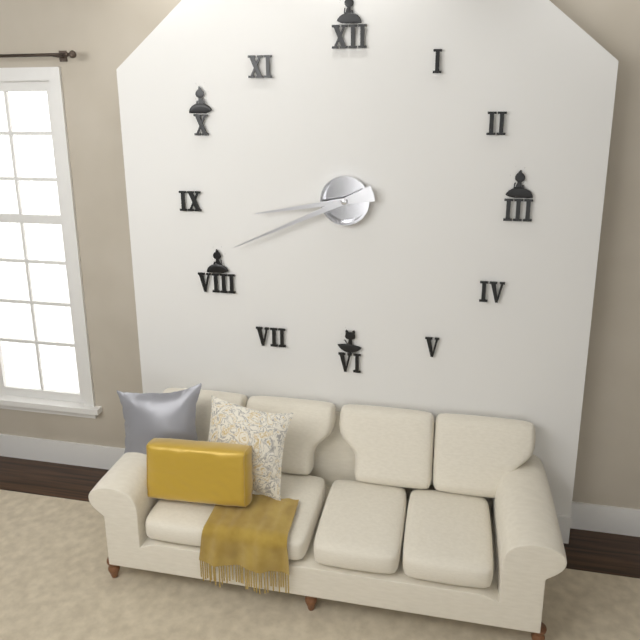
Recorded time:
8,41
